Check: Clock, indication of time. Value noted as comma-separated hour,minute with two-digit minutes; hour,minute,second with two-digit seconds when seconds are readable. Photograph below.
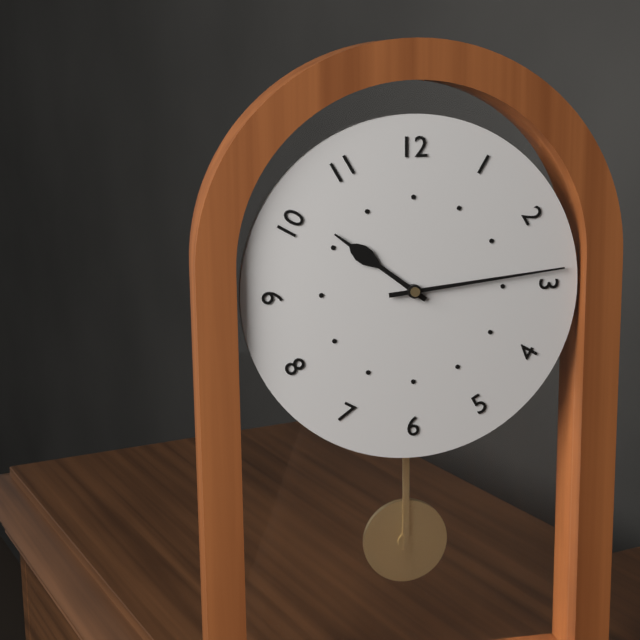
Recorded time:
10,14
